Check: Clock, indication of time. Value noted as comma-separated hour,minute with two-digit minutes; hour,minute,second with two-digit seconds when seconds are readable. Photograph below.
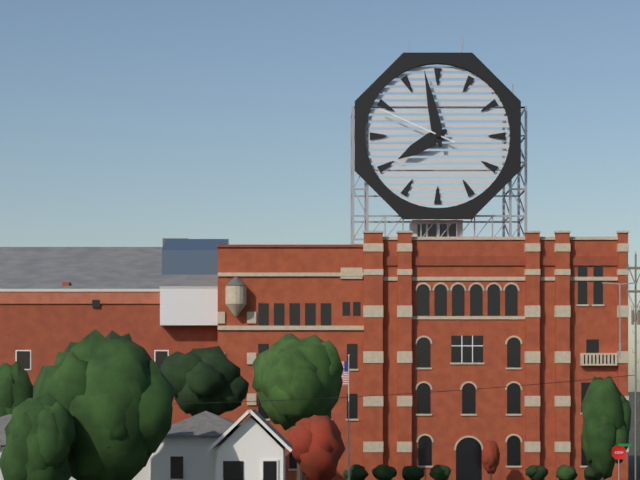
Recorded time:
7,58,49
